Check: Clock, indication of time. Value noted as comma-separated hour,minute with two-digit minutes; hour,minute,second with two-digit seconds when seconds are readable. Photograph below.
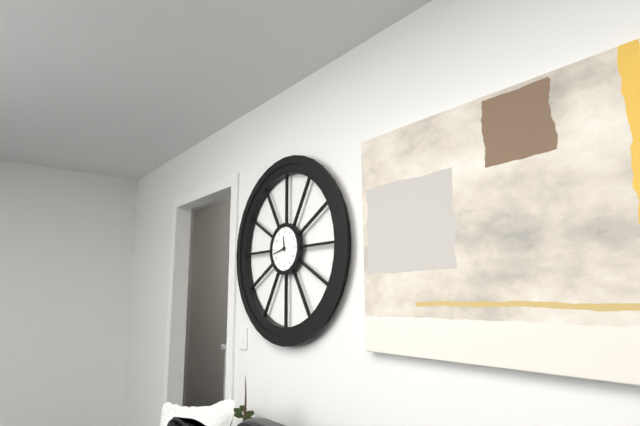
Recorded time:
11,43
